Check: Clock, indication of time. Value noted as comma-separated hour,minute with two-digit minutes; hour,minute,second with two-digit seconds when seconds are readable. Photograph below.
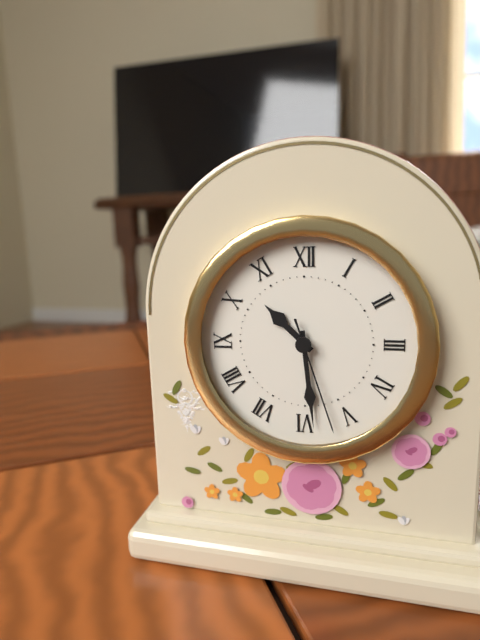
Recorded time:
10,29,27
